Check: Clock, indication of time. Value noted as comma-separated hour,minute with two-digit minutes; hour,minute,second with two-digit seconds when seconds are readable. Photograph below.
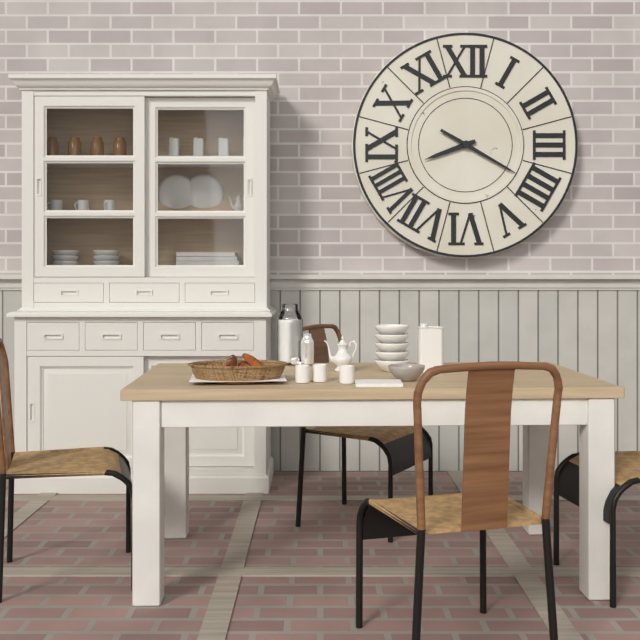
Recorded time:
8,20
